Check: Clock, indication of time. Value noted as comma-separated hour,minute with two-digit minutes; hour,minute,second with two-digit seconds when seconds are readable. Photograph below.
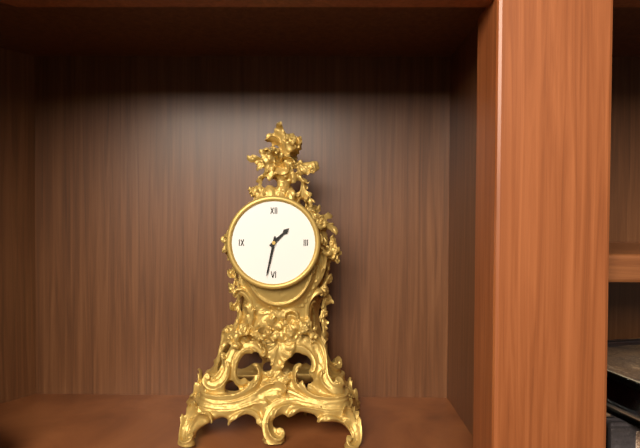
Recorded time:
1,32
